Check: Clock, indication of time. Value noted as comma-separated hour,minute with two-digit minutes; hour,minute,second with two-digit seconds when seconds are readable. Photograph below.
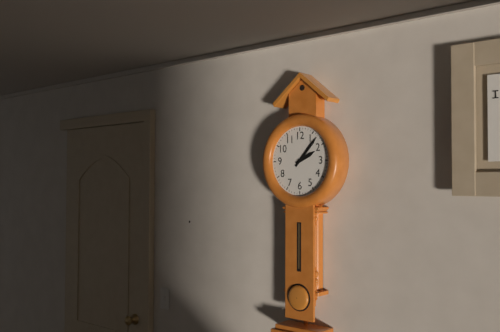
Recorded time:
2,07
